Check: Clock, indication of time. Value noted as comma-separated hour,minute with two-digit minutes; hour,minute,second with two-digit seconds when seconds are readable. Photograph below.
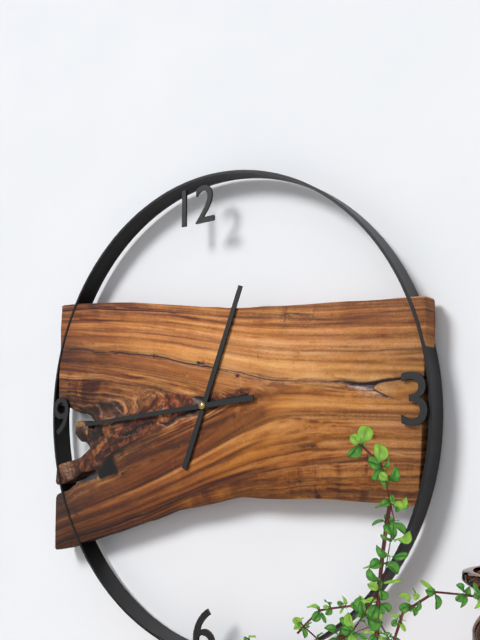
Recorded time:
12,44
